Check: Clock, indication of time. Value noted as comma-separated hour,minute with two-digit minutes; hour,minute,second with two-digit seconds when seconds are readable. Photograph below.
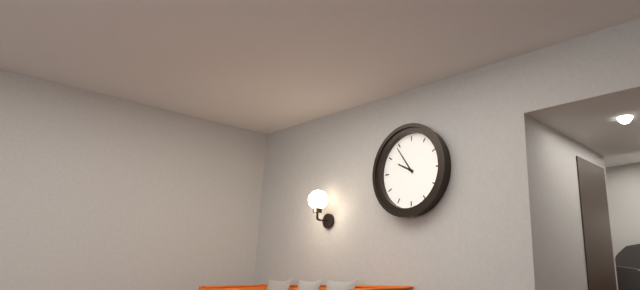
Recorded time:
9,54
